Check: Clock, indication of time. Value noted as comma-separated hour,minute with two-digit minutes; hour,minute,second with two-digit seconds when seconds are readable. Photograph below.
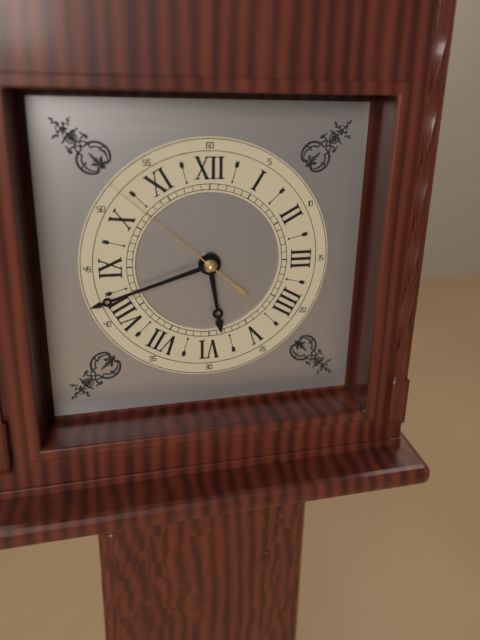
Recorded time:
5,42,52
